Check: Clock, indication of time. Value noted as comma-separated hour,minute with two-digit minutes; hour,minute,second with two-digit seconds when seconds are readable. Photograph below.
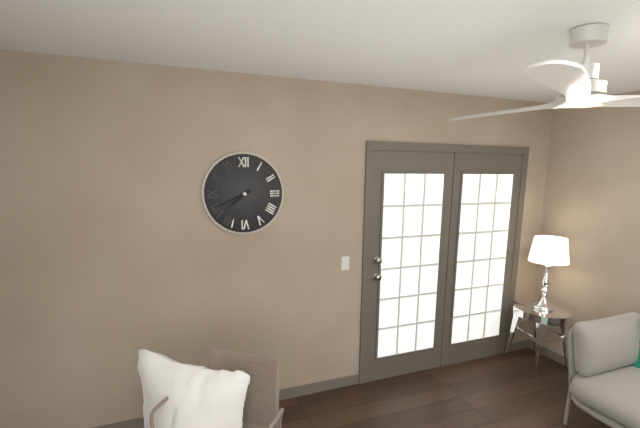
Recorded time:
7,41
